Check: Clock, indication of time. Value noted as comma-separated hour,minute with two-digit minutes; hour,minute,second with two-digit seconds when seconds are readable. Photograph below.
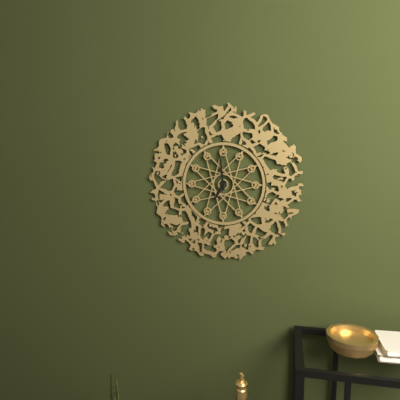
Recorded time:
6,59
